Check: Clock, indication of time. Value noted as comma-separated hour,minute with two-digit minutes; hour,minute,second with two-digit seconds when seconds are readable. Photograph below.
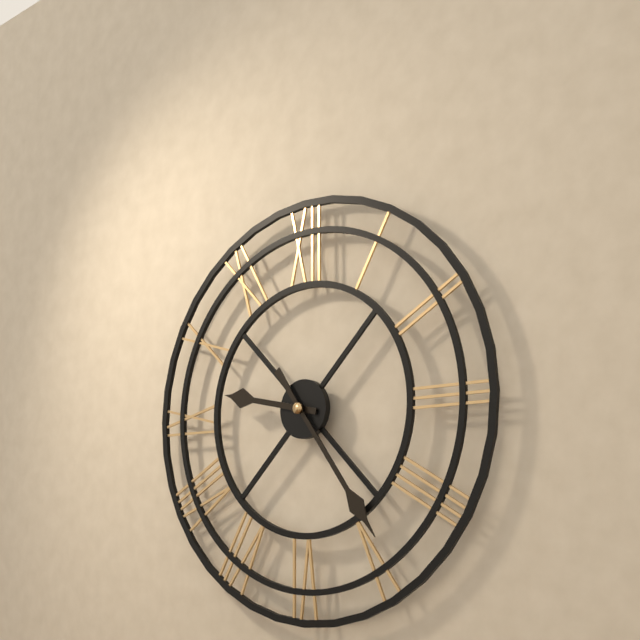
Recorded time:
9,24
